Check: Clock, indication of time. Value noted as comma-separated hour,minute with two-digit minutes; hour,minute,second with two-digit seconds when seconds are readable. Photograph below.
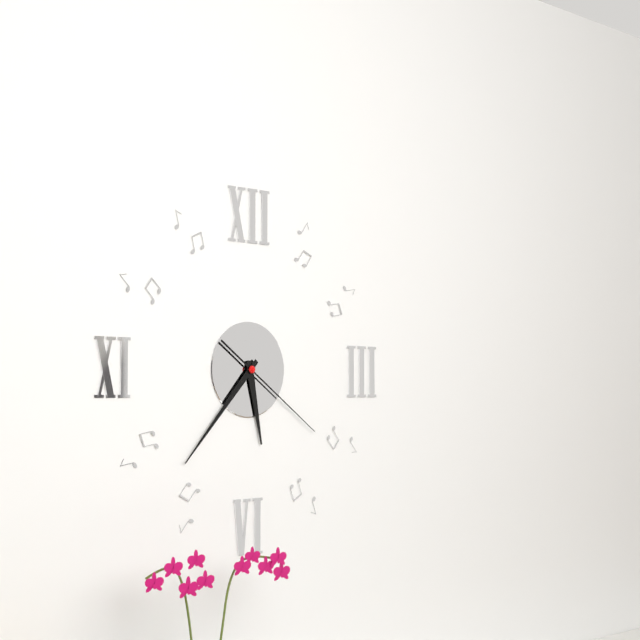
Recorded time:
5,37,21
